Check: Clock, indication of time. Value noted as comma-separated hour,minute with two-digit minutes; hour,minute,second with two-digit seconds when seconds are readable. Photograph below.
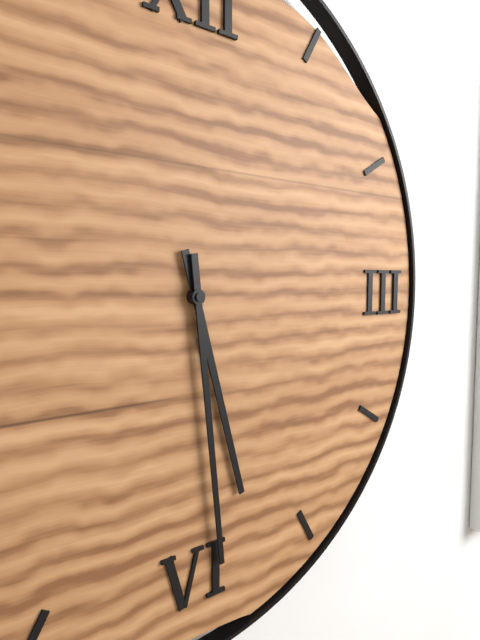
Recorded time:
5,29
